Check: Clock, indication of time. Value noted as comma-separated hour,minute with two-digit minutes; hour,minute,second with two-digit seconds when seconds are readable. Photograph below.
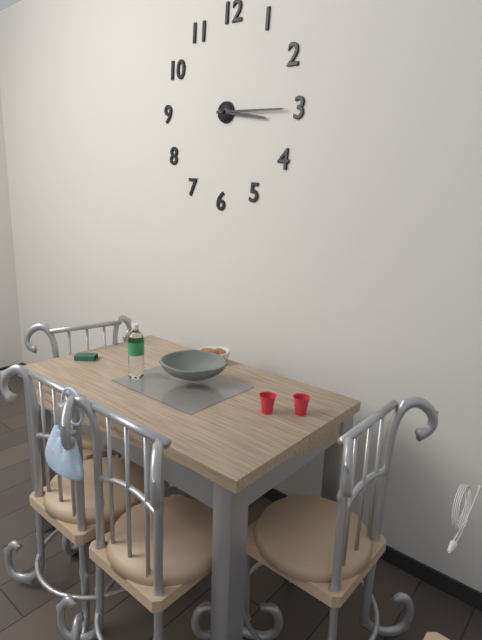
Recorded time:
3,15
